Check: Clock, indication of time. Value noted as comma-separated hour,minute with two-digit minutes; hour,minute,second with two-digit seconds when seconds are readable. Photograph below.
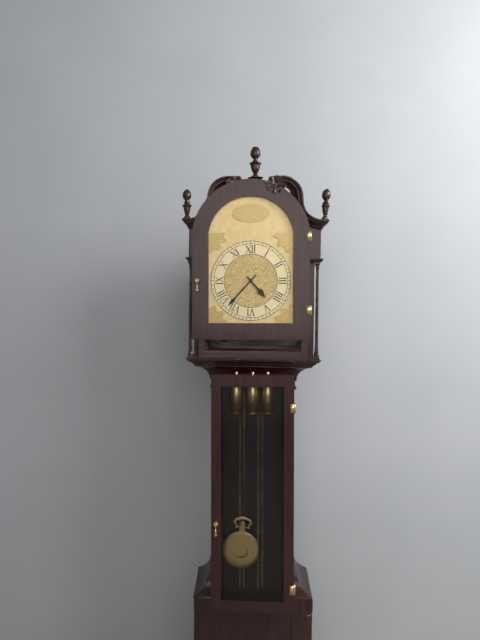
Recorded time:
4,37
